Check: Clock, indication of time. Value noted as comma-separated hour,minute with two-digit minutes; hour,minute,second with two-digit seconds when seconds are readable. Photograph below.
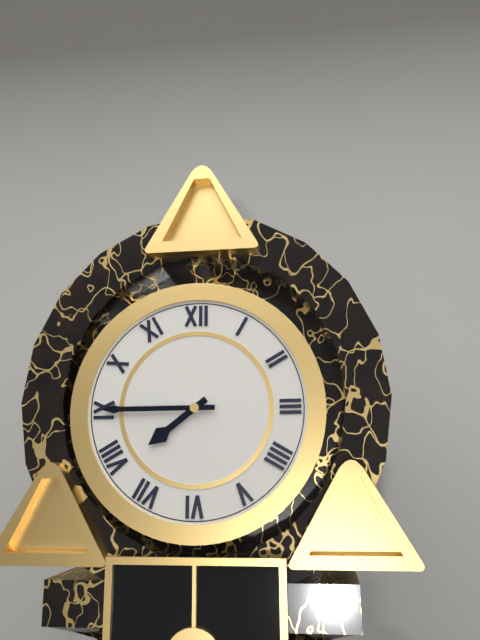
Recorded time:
7,45
